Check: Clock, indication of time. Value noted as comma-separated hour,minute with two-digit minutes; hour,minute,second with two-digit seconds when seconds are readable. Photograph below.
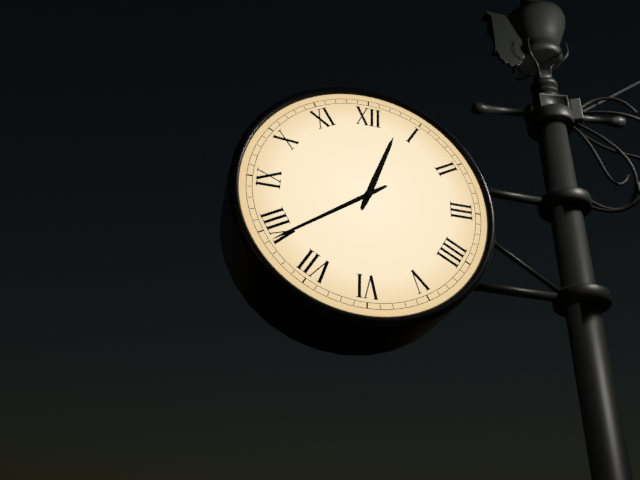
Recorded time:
12,39
